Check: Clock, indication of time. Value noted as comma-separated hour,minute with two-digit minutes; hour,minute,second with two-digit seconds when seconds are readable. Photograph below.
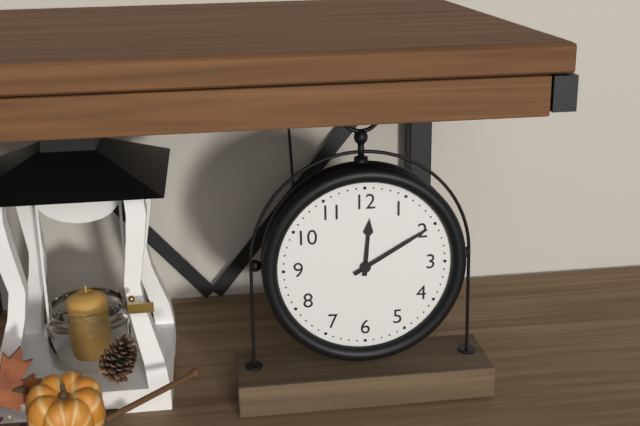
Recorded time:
12,10
